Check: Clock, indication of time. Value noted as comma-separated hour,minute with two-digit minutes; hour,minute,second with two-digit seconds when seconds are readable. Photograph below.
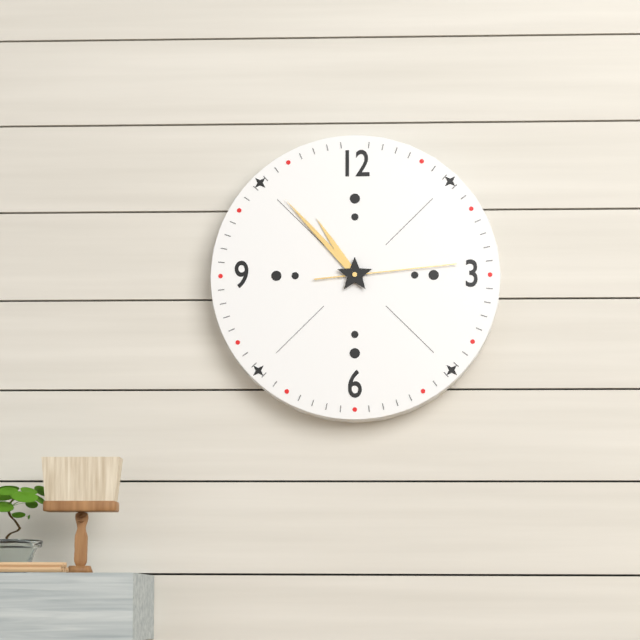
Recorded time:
10,53,14
